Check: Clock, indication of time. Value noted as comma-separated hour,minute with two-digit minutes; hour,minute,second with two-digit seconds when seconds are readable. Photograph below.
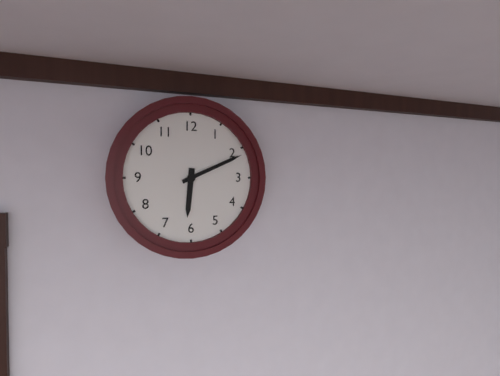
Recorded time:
6,11
